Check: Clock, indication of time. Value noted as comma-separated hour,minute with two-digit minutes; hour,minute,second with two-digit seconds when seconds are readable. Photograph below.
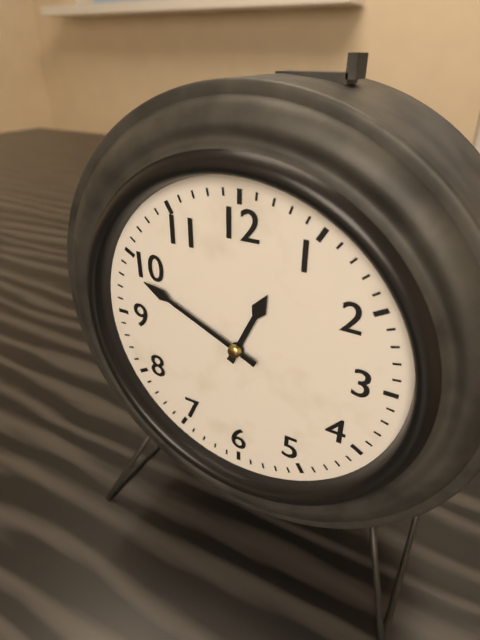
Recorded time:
12,49
